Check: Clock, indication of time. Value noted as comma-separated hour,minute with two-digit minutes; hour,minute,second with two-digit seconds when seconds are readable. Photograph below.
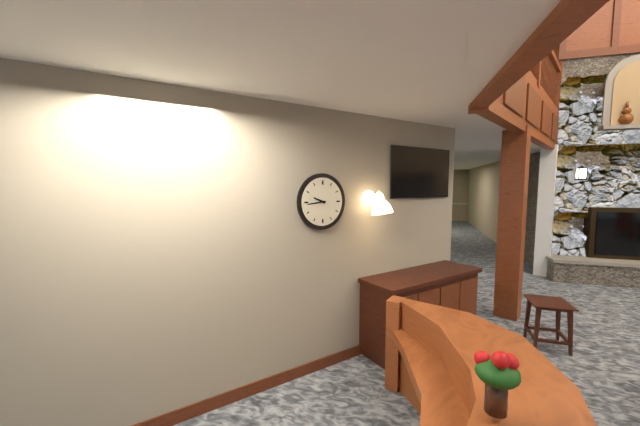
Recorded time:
9,44
